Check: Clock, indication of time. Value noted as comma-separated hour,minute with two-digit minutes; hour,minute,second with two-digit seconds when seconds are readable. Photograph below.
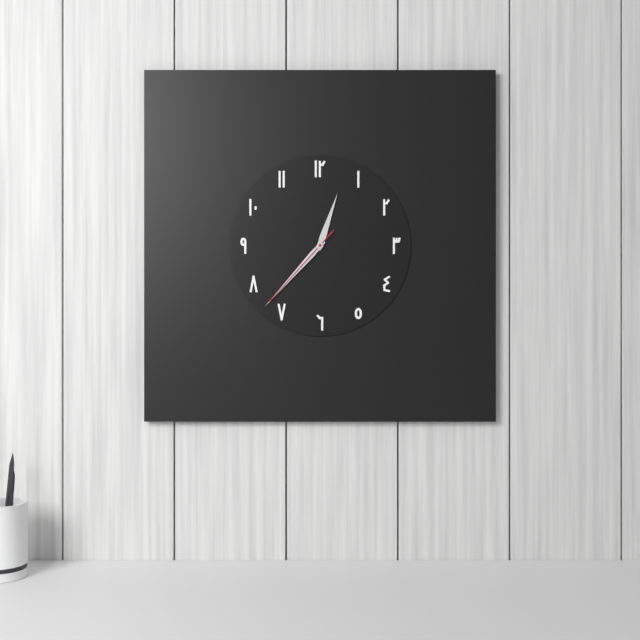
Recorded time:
12,37,37
